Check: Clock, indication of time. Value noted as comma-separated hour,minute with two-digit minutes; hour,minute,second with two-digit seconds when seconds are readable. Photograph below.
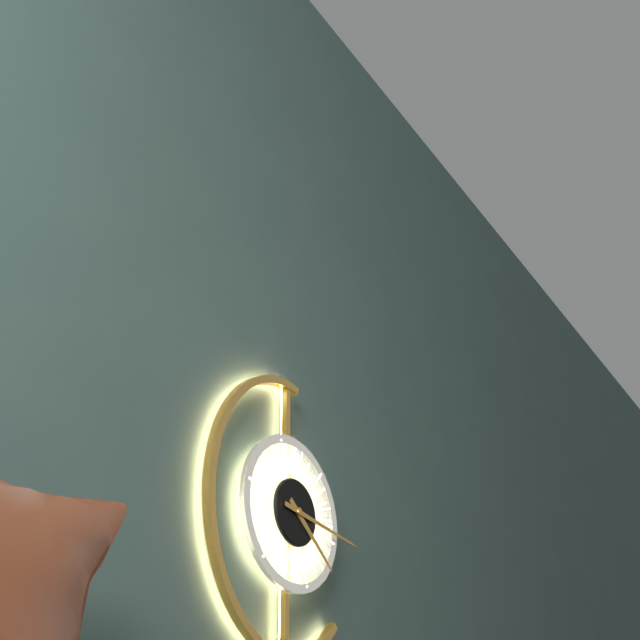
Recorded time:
4,16
